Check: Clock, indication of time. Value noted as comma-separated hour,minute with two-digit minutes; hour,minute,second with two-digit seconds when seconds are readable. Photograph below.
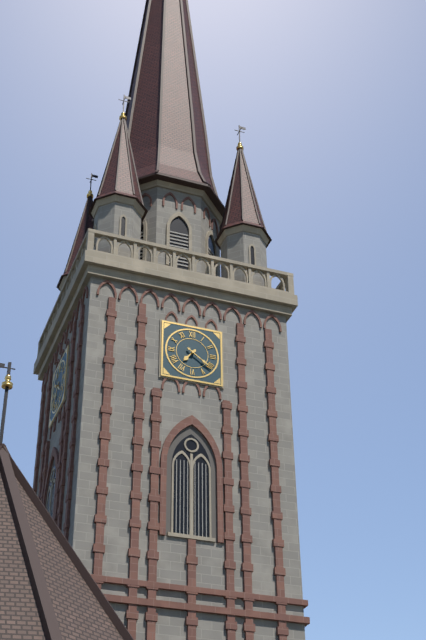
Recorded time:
7,21
